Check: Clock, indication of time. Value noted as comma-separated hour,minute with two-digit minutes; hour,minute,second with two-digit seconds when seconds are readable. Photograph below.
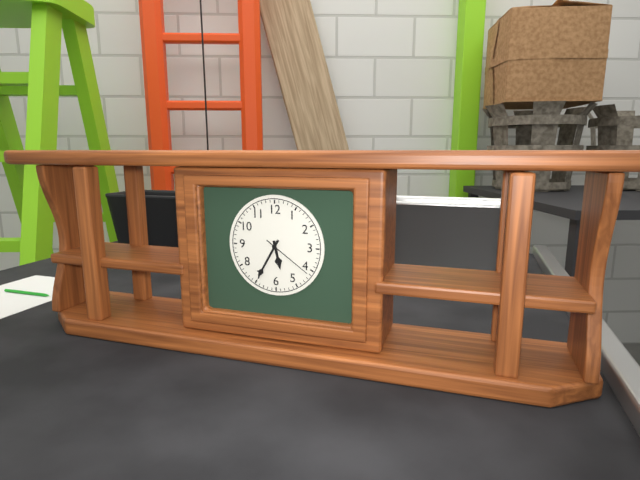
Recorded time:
5,35,21
